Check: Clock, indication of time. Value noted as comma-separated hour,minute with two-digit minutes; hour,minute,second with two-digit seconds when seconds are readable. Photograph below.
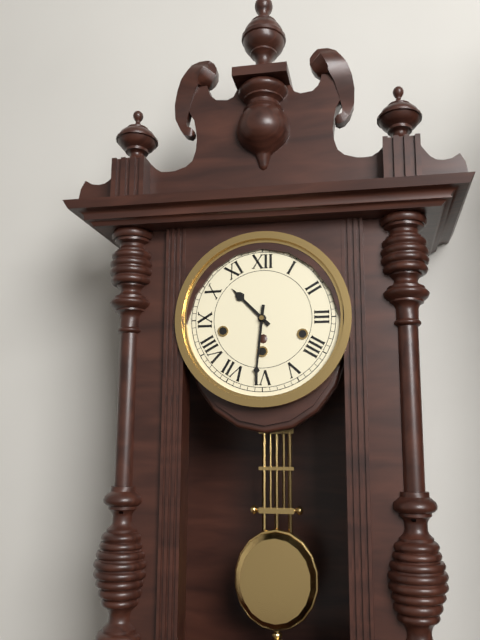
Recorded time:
10,31
